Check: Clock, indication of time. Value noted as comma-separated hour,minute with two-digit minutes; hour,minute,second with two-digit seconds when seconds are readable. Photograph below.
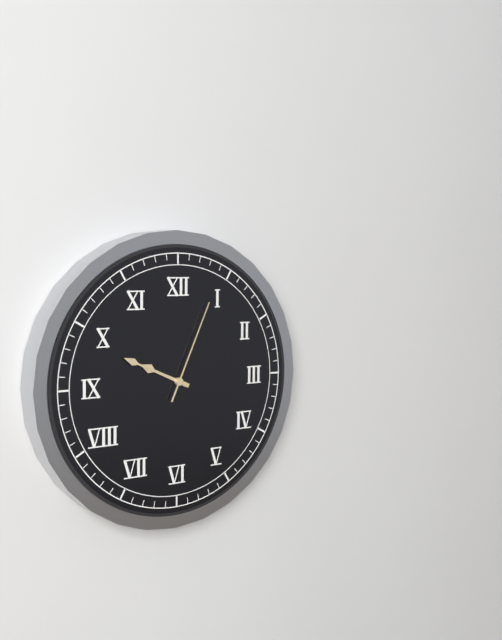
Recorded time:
9,49,04
